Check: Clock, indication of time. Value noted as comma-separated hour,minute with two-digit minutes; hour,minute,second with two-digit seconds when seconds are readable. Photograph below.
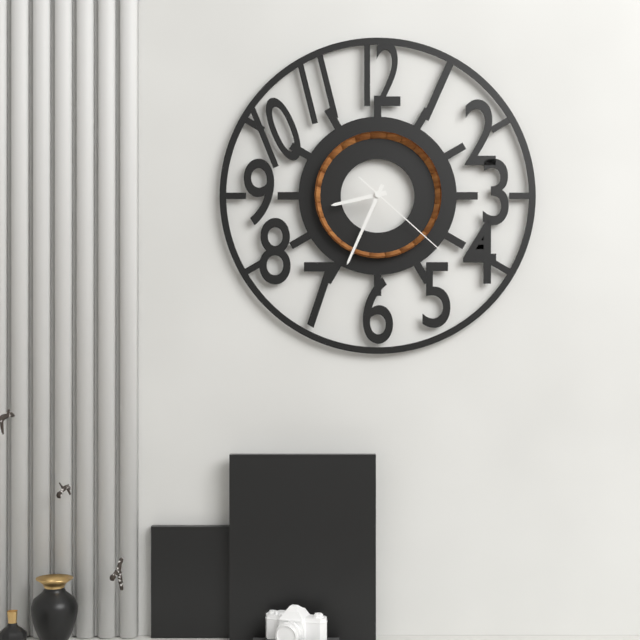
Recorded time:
8,34,22
